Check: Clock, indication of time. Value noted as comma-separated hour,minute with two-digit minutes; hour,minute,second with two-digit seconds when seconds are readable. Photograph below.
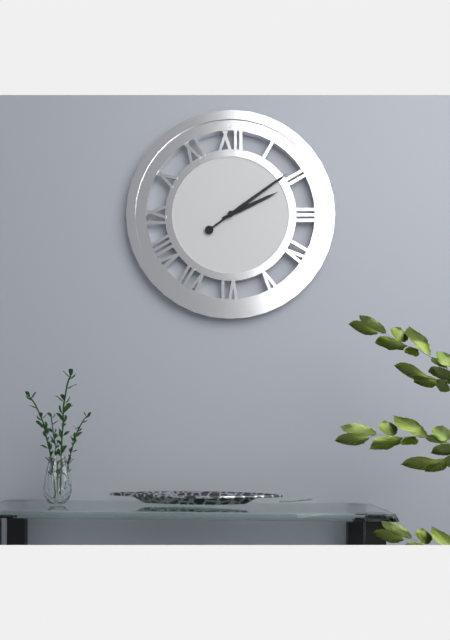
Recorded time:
2,09
